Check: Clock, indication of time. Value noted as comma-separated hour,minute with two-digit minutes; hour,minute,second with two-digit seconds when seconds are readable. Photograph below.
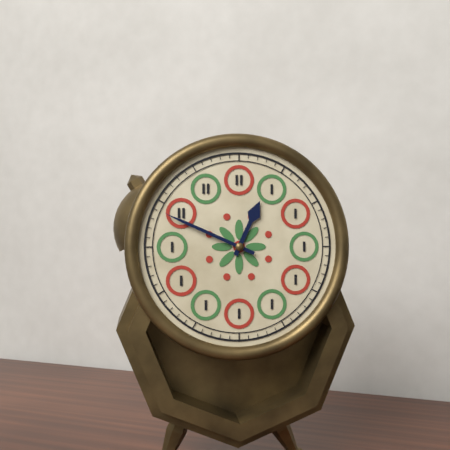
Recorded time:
12,49
